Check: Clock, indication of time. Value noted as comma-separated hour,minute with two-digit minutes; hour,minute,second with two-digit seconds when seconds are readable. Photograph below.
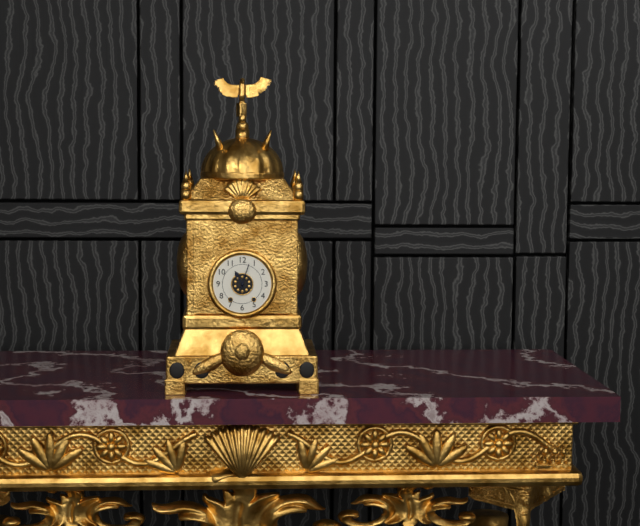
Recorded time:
11,03
